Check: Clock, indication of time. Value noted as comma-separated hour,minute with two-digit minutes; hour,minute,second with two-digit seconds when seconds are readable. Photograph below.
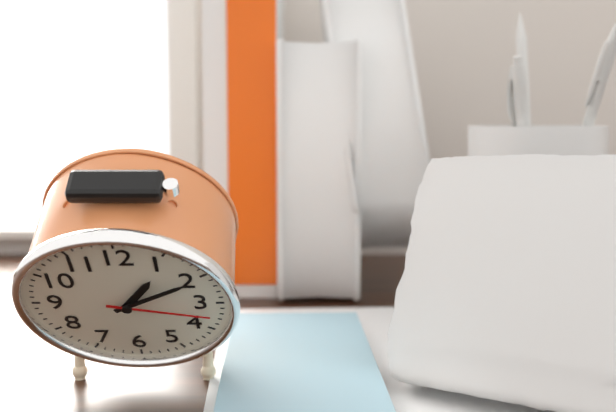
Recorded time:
1,10,17
